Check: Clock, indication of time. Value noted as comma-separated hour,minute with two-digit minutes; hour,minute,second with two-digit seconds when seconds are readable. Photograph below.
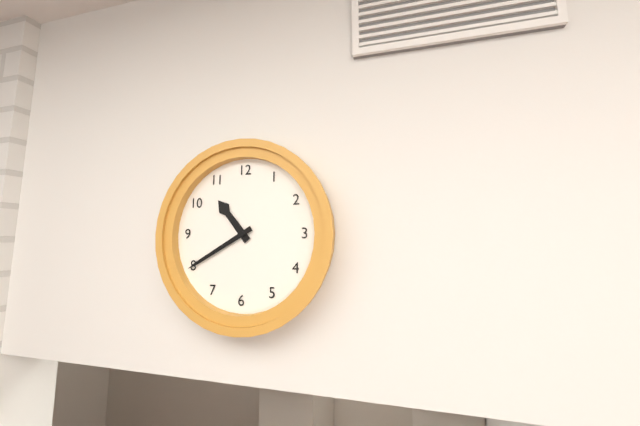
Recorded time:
10,40
